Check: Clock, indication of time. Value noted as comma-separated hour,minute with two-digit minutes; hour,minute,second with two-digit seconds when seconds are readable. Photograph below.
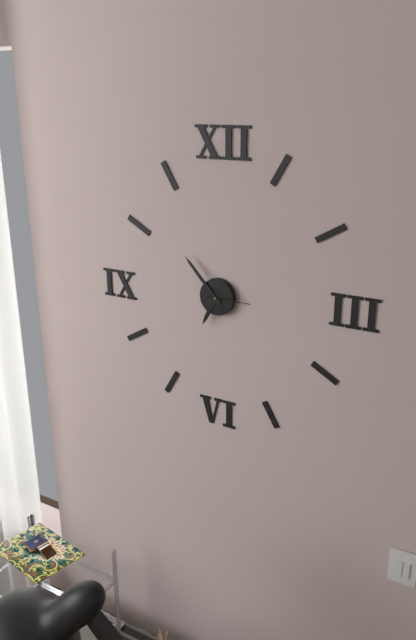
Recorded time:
6,53
